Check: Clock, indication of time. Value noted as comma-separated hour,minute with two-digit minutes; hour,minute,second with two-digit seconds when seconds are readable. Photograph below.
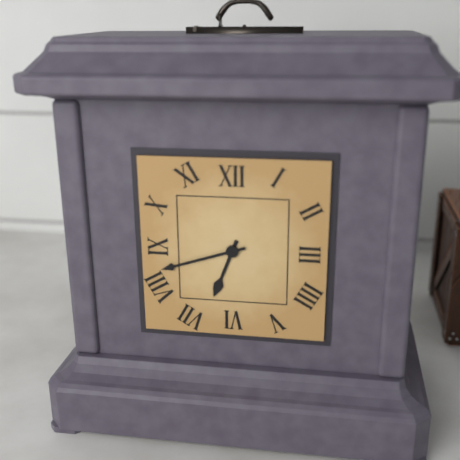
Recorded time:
6,42
